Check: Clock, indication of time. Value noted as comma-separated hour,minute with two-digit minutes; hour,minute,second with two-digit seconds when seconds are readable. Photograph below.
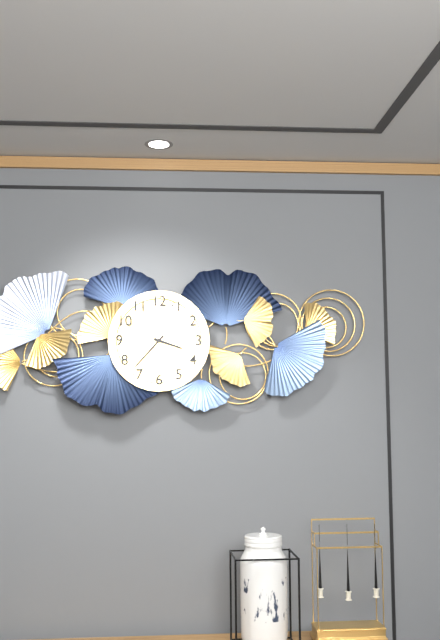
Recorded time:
3,37
